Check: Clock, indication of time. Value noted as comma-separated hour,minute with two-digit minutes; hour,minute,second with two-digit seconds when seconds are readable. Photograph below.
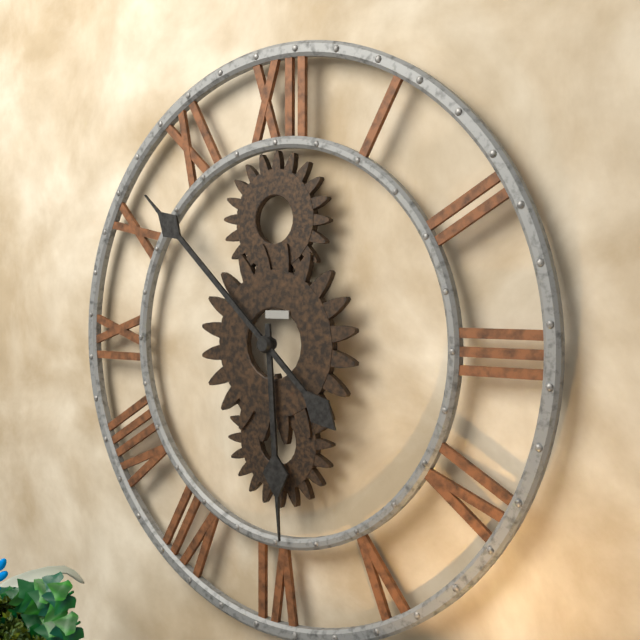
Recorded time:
5,52
